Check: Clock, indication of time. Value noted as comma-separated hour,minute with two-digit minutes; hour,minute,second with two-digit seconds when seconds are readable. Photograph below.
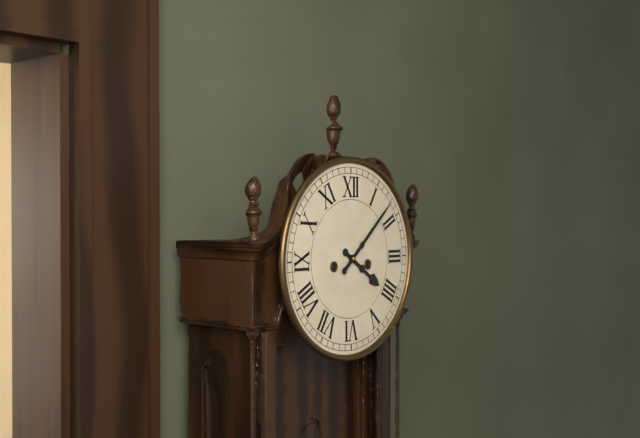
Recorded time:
4,08
